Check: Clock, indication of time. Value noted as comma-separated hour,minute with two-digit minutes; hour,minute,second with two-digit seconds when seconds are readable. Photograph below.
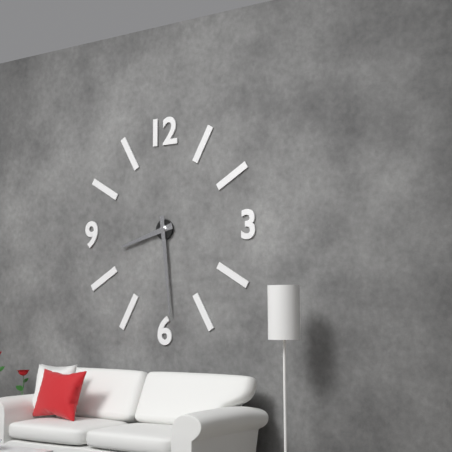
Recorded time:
8,29
